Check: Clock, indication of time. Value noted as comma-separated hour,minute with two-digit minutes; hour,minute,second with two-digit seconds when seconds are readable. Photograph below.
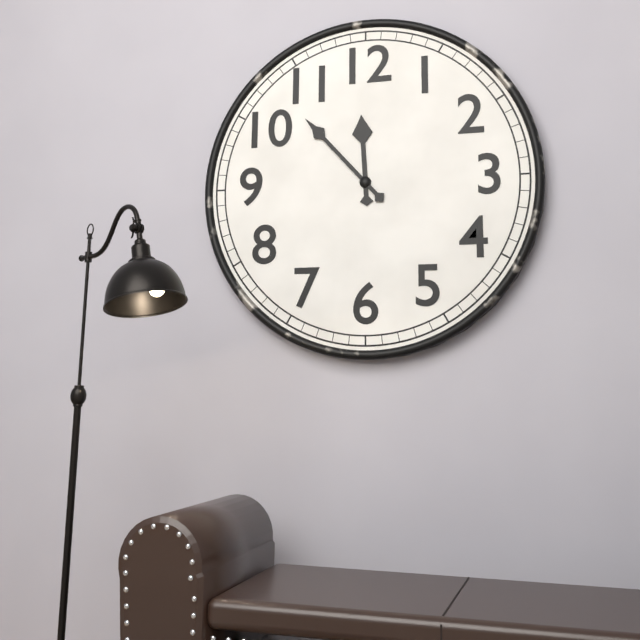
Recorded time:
11,53
